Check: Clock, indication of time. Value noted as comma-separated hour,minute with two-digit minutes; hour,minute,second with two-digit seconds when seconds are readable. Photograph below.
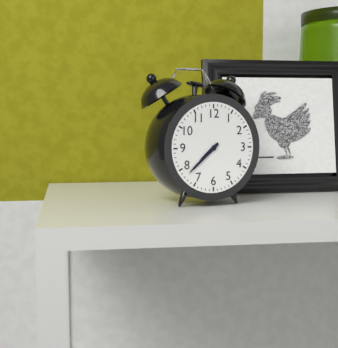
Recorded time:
7,38
